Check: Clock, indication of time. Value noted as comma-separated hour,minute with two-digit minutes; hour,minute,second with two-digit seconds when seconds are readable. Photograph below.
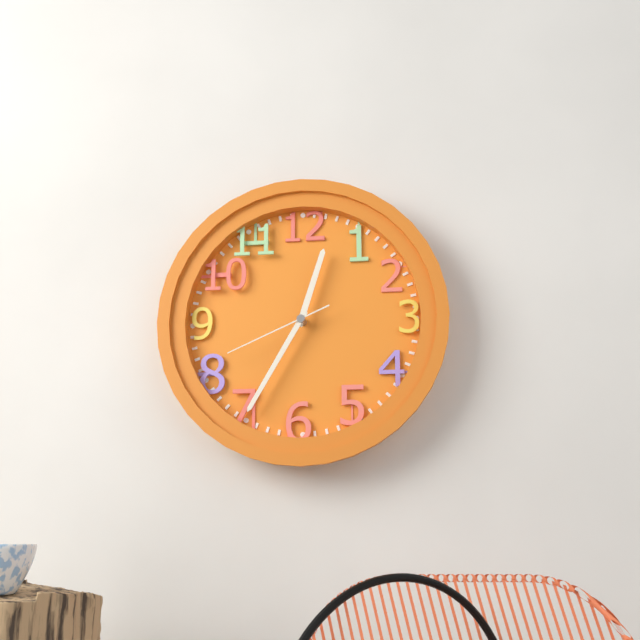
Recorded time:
12,35,41
